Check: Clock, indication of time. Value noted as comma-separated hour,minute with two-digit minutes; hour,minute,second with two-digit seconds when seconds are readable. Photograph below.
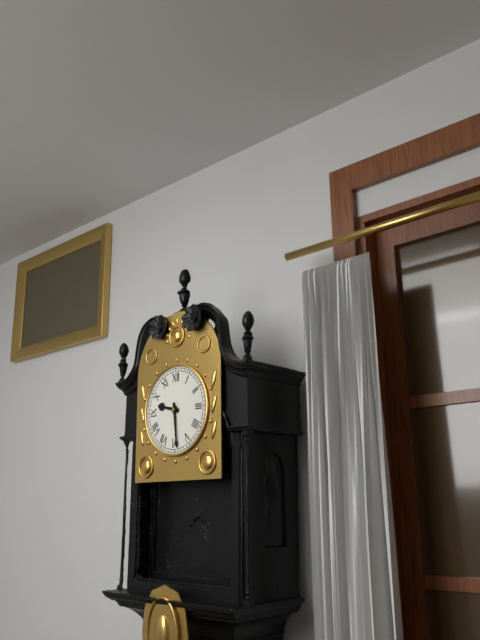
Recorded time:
9,29
